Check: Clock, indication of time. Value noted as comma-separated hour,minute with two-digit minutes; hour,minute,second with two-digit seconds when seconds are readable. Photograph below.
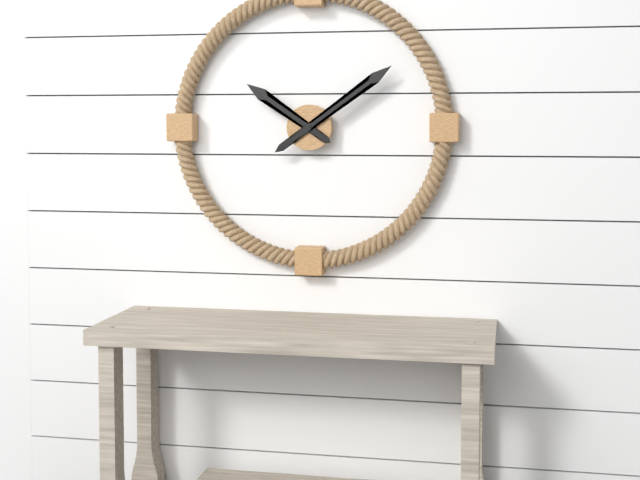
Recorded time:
10,09
